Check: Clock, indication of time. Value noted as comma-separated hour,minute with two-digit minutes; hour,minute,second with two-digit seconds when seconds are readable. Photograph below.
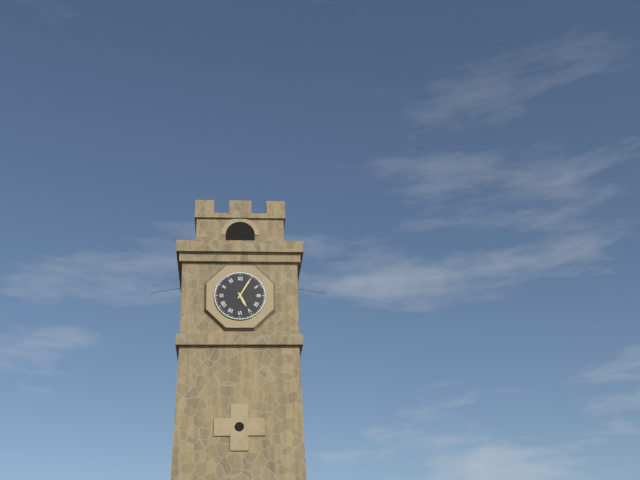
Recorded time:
5,05
